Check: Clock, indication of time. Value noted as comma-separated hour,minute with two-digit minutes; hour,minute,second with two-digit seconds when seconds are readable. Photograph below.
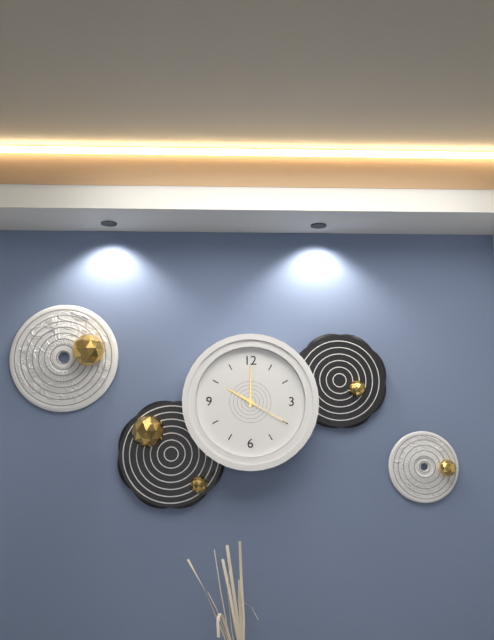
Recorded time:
10,00,20
